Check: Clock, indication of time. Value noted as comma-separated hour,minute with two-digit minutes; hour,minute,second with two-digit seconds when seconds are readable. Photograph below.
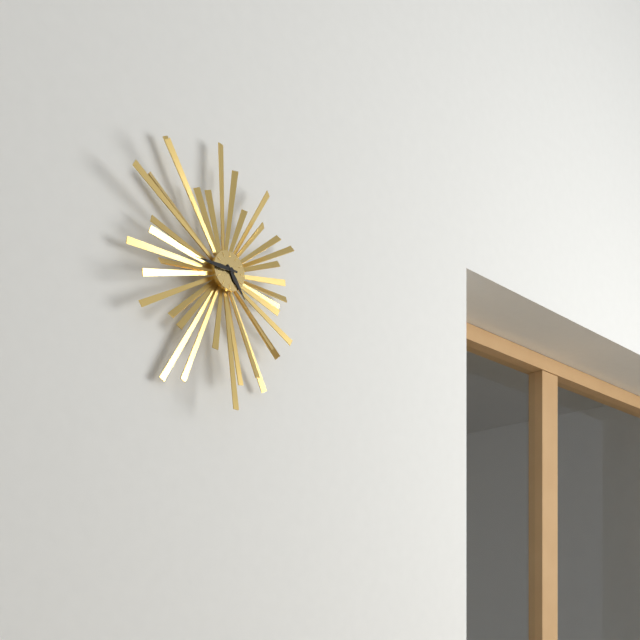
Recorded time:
4,45
